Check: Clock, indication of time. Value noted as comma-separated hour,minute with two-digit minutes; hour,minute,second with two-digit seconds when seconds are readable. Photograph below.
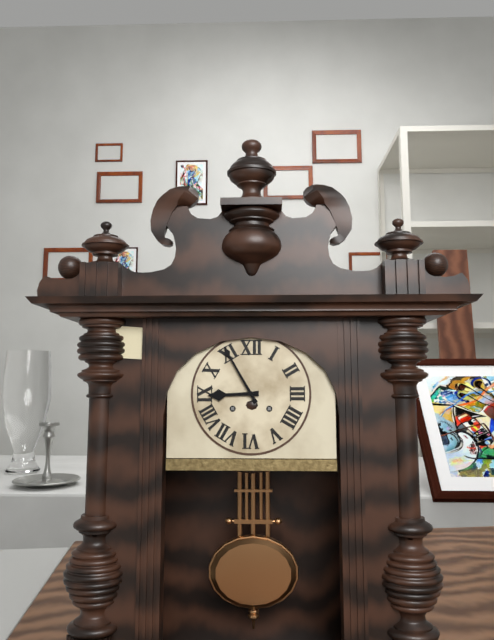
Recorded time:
8,55
